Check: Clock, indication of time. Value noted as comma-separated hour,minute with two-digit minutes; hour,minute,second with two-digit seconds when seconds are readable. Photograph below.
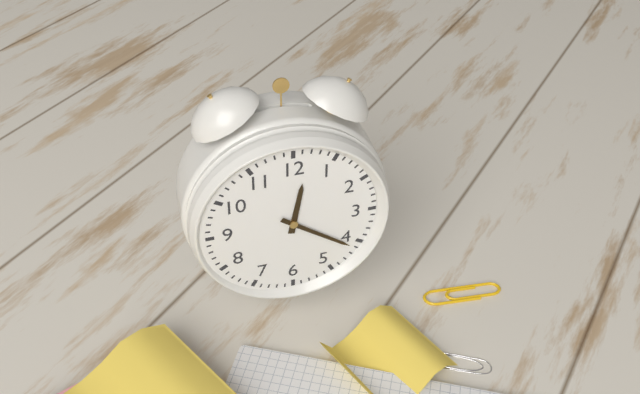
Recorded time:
12,21
